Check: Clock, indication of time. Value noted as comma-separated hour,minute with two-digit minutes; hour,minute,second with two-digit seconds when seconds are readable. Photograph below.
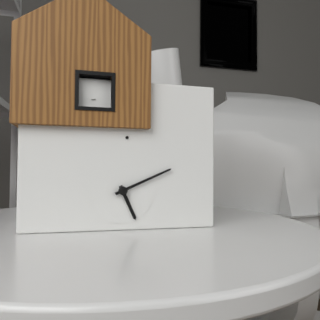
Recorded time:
5,11
